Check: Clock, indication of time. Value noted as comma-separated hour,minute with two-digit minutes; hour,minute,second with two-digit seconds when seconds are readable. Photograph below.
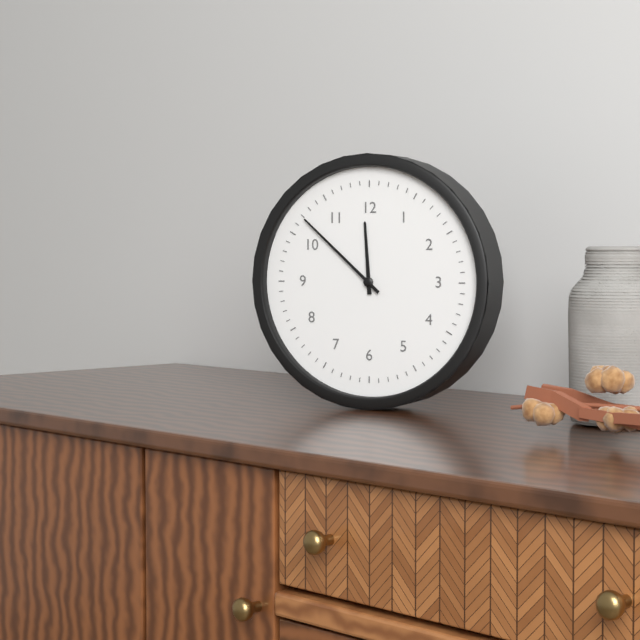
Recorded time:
11,52
